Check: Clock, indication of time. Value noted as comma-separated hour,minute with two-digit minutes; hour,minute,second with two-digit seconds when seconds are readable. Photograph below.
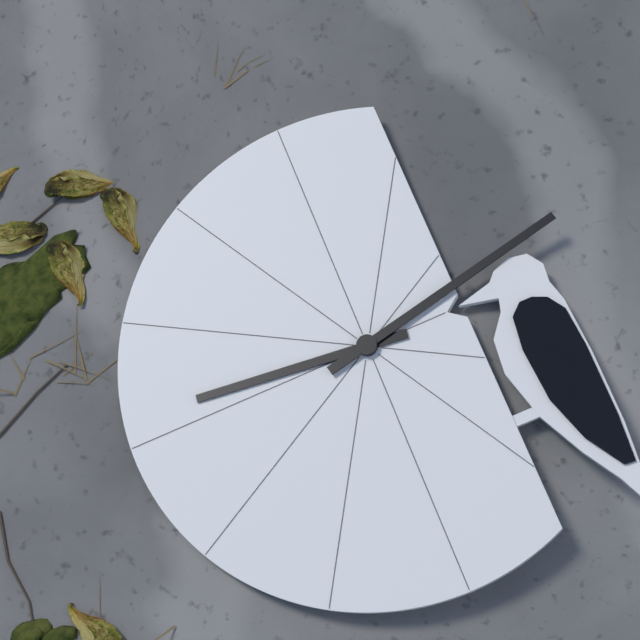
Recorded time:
9,13
